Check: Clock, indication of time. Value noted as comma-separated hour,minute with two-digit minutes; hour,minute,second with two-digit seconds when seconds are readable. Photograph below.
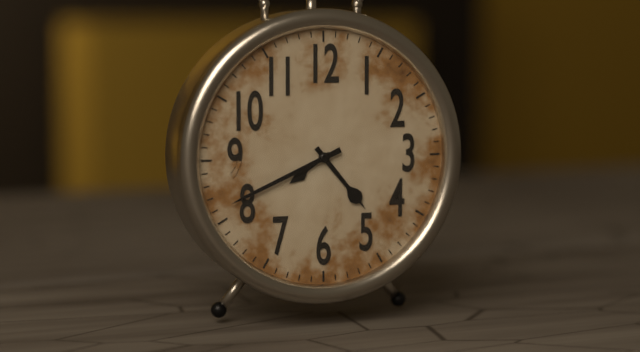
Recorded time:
4,41
